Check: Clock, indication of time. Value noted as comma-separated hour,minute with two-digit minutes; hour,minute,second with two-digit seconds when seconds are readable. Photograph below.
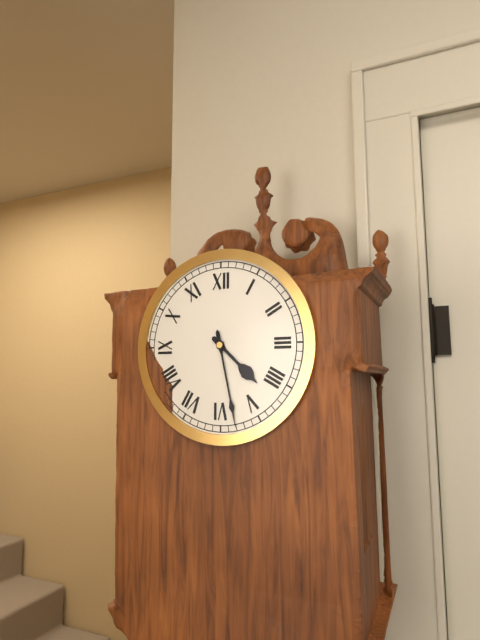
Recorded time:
4,28
